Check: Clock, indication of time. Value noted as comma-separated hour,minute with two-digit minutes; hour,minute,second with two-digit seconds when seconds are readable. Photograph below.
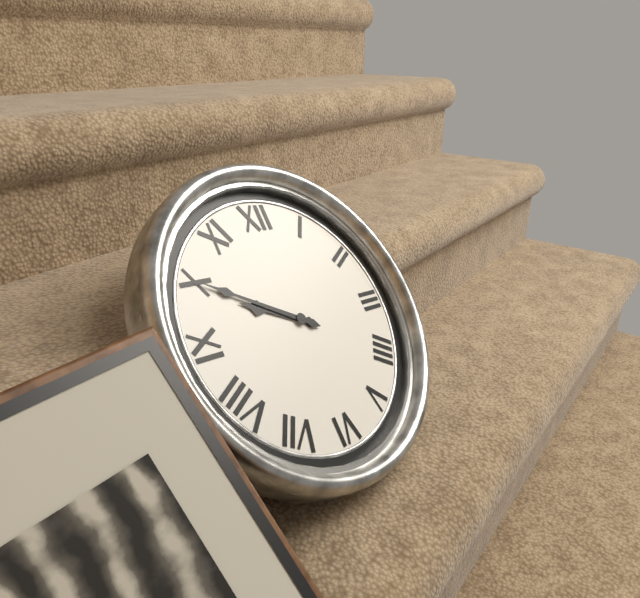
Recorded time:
9,50
